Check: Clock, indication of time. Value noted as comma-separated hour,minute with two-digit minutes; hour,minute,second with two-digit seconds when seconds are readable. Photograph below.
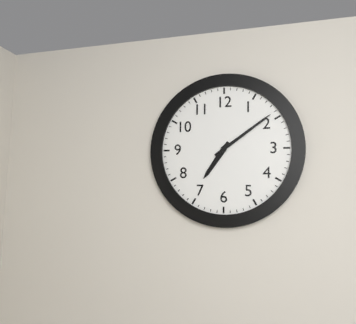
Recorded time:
7,09
